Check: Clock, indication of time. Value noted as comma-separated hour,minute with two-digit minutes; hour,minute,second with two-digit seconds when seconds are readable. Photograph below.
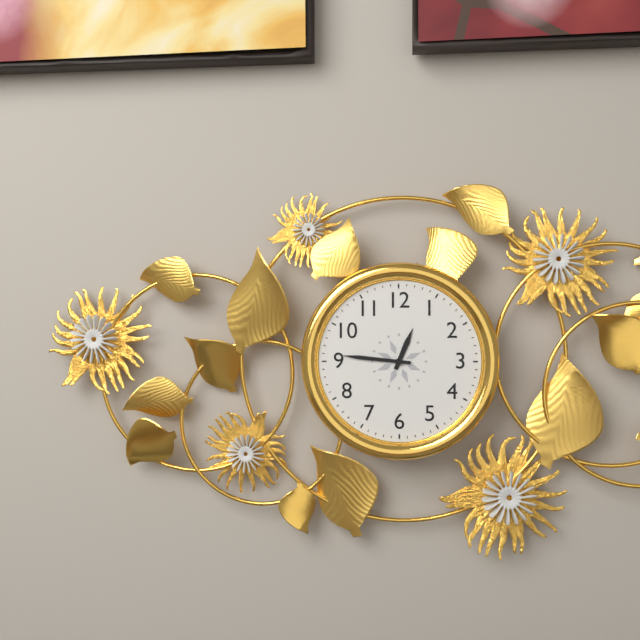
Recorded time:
12,46
